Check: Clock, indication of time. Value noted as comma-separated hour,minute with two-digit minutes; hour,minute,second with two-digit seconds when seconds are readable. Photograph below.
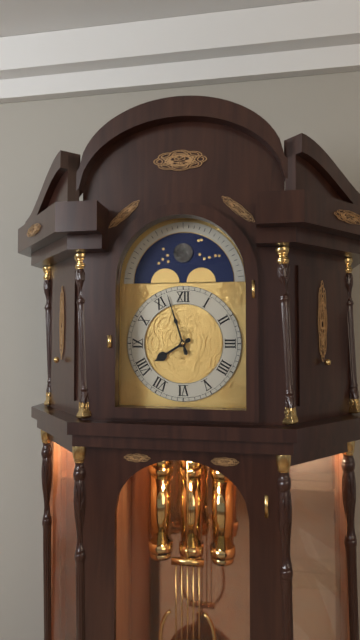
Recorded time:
7,57
